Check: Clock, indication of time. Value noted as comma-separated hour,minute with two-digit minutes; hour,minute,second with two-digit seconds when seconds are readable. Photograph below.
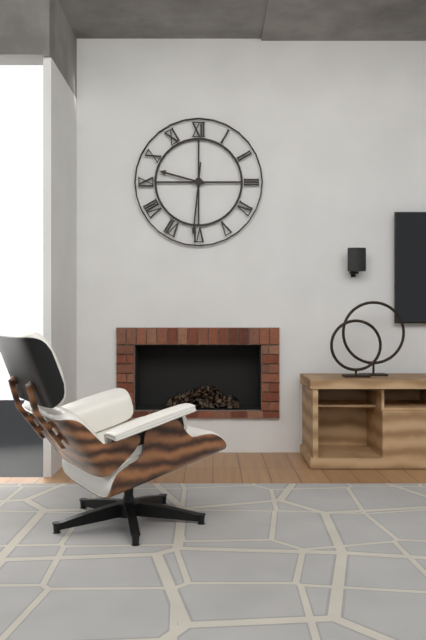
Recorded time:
9,31
